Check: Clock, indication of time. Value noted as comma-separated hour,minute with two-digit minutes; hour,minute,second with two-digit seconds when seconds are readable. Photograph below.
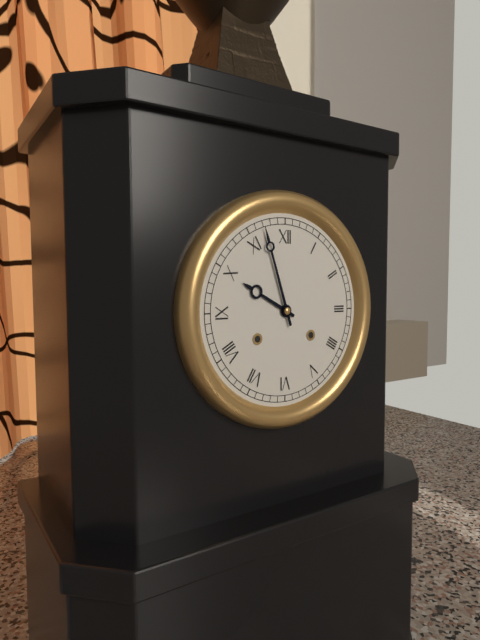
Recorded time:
9,57
